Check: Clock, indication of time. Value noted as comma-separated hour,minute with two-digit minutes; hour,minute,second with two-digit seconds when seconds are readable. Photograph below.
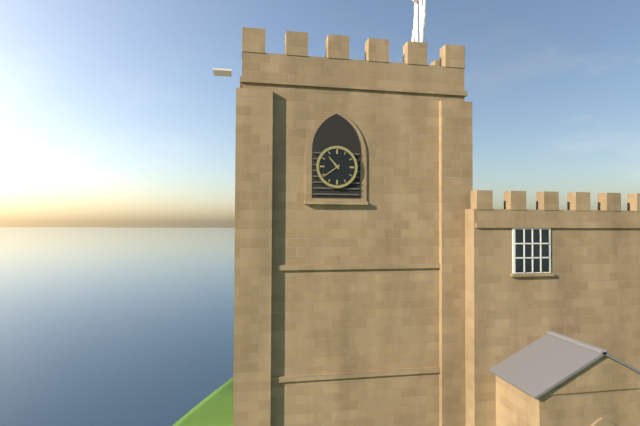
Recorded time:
10,39
